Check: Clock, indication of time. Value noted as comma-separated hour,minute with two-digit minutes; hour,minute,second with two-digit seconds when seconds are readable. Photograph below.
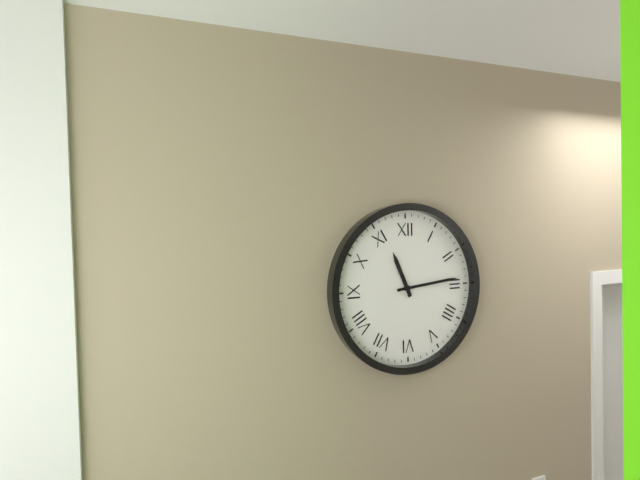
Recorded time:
11,14
